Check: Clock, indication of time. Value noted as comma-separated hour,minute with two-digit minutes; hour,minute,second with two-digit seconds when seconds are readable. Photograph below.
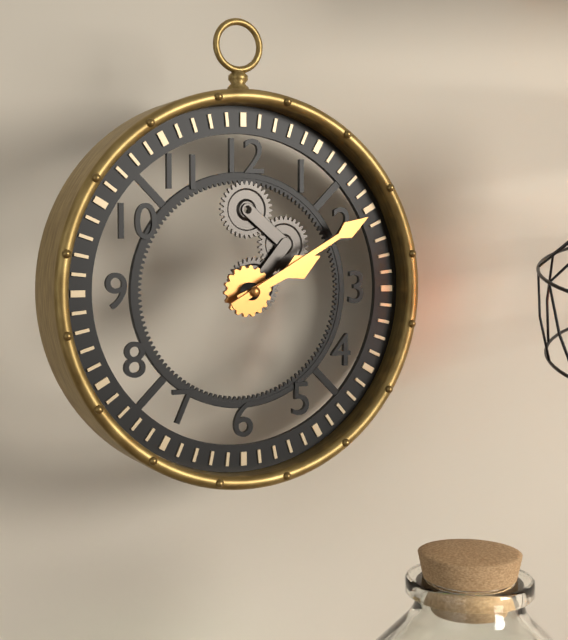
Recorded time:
2,10
